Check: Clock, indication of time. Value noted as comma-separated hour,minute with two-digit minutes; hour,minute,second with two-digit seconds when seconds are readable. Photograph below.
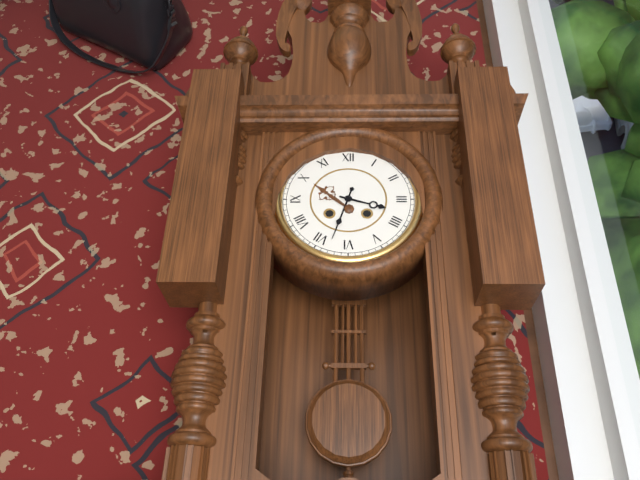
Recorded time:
3,33
